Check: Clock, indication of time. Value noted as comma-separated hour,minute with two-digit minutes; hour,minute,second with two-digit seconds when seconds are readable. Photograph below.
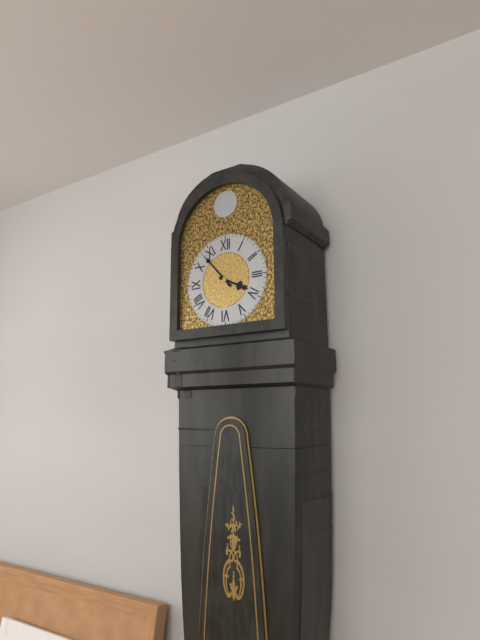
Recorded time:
3,53
